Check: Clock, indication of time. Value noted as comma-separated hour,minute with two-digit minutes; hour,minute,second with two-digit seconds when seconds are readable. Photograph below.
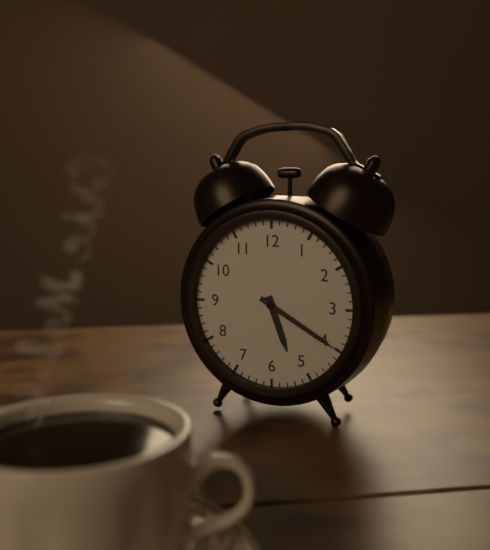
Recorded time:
5,20
